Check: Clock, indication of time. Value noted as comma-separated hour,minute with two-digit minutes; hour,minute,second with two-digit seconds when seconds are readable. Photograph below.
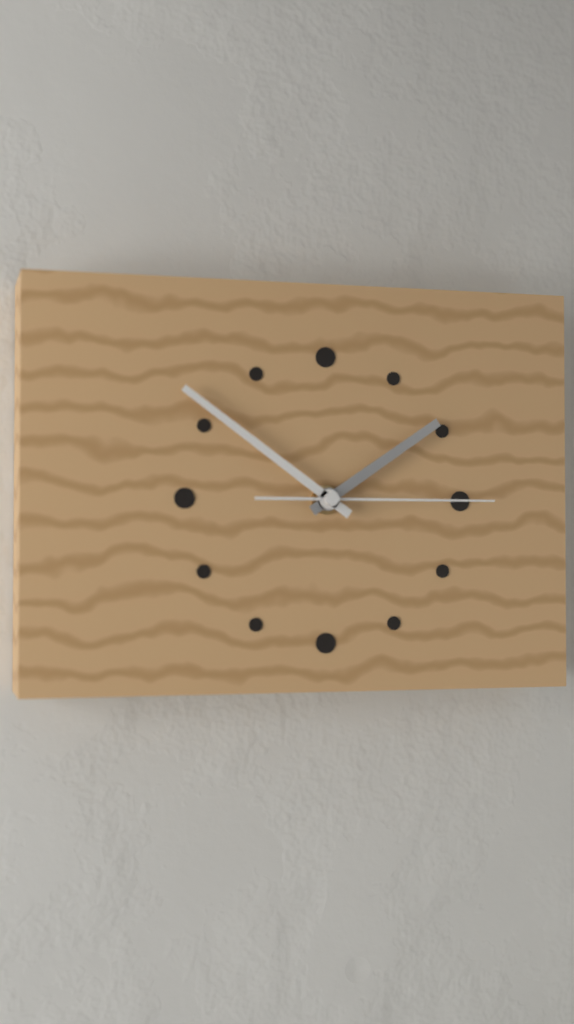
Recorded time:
1,51,15
